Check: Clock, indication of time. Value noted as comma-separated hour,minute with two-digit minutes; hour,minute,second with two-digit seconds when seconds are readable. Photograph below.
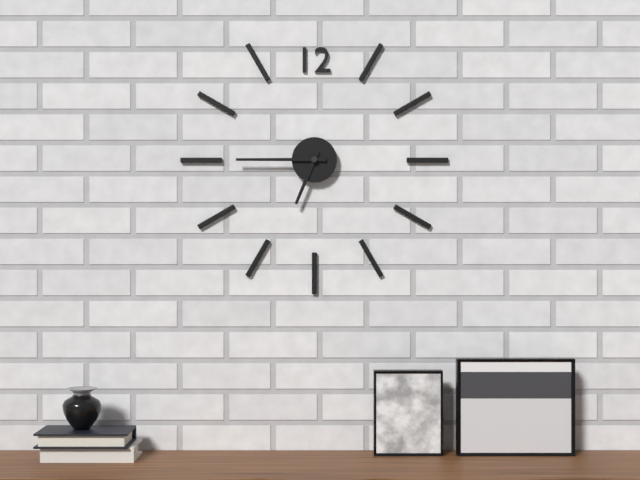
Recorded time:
6,45
